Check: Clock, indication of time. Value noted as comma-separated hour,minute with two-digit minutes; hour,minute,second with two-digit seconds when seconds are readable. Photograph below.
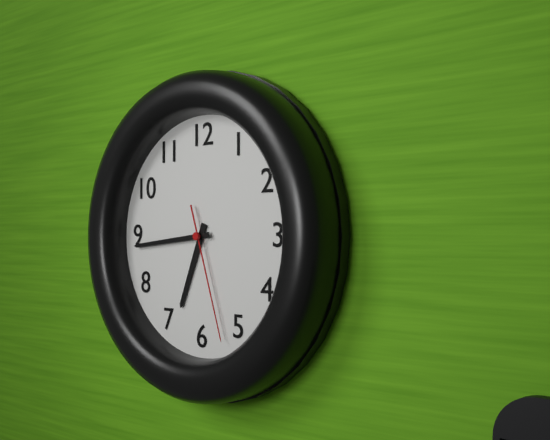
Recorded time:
6,44,27
